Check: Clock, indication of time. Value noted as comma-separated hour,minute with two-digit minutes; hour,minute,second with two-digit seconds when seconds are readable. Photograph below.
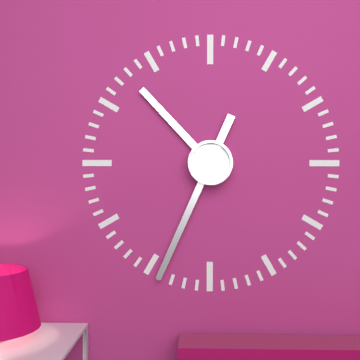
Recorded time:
10,34
